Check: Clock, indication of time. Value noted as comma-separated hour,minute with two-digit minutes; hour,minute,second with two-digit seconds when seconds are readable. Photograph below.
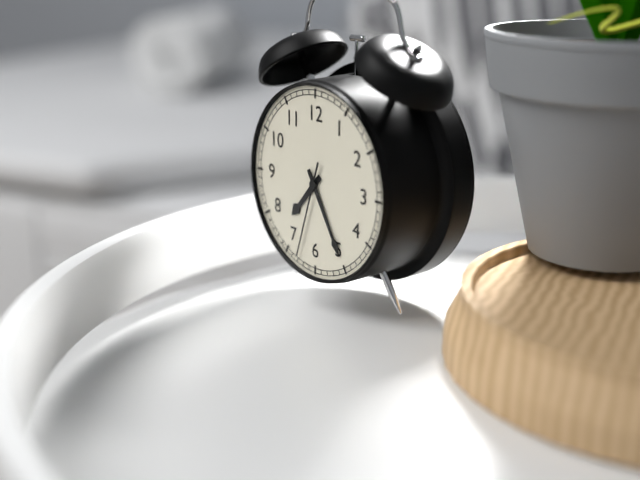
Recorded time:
7,25,33
